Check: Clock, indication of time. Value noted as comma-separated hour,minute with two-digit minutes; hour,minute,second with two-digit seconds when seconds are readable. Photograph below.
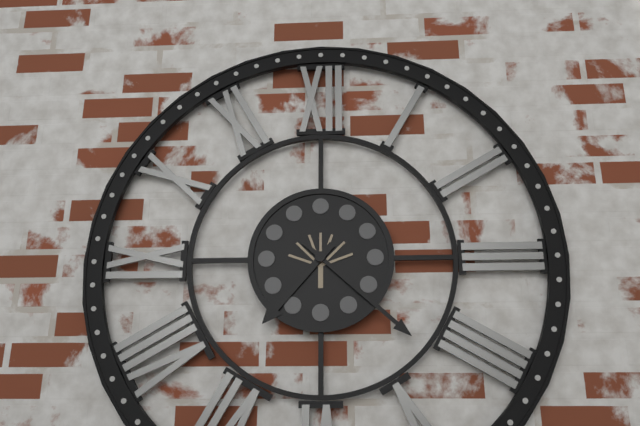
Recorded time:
7,22
